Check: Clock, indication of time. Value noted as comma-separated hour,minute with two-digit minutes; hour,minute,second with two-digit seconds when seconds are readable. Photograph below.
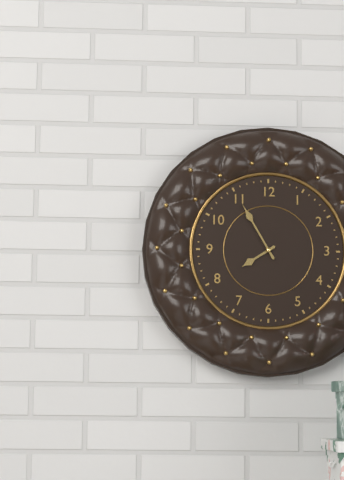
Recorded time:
7,55
